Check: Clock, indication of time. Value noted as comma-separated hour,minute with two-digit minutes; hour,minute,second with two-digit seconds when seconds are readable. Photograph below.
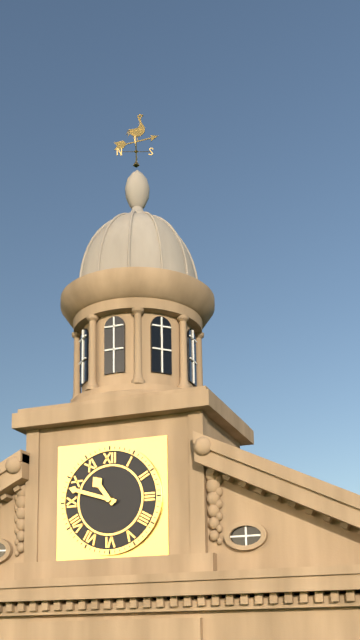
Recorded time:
10,48
